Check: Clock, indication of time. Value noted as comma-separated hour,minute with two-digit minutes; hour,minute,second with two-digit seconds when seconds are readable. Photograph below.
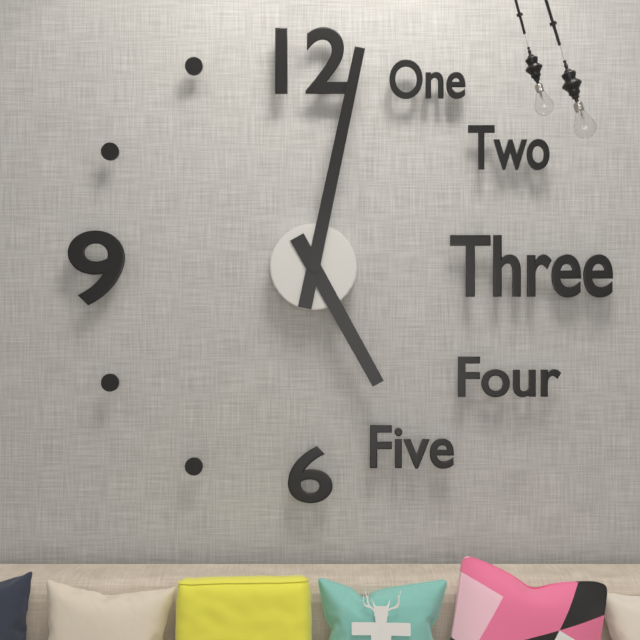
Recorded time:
5,02
